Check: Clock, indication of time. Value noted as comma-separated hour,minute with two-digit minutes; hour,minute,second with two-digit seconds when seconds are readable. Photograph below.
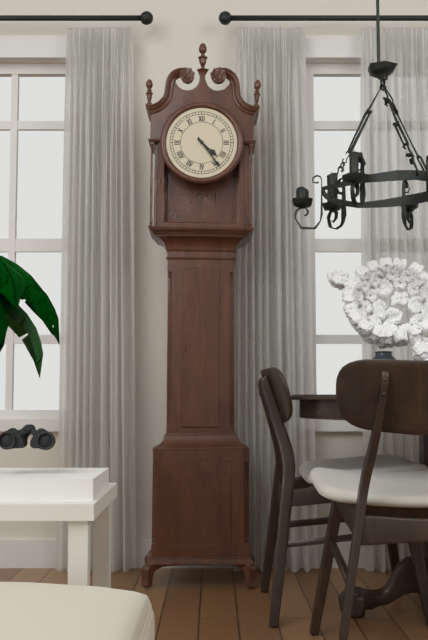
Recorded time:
4,24
